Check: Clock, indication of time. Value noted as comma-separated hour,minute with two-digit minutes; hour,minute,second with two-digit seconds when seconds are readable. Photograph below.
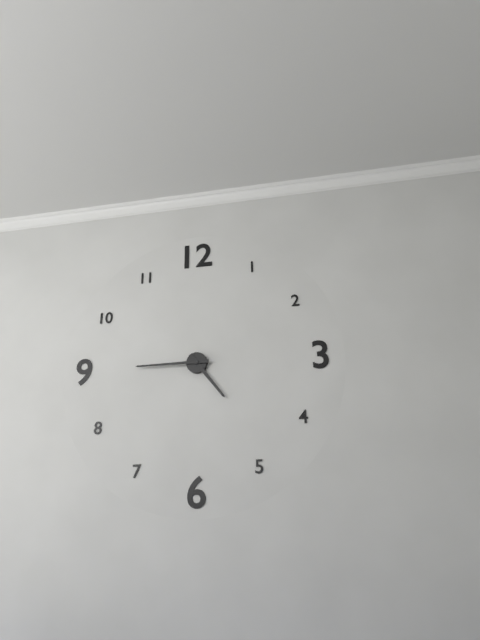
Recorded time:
4,45
